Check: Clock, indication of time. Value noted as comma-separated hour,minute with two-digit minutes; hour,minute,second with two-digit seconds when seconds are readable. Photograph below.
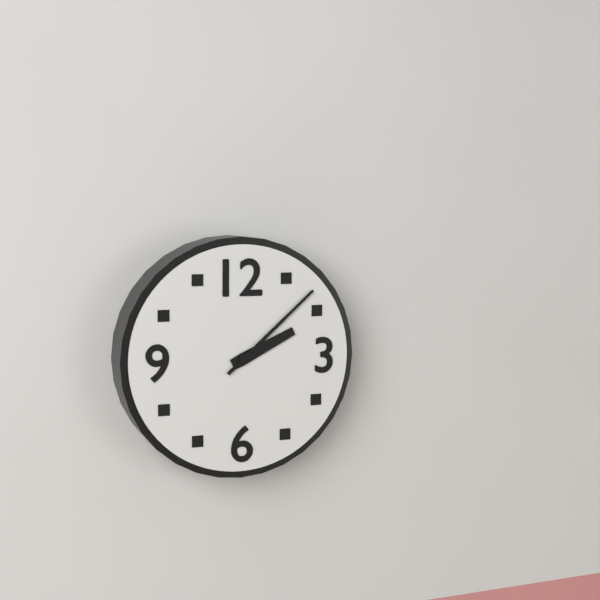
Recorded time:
2,08
